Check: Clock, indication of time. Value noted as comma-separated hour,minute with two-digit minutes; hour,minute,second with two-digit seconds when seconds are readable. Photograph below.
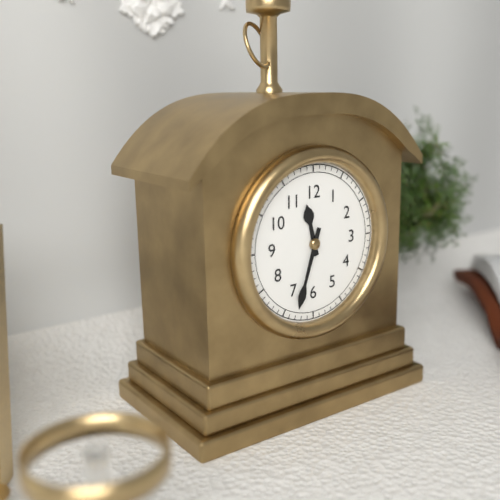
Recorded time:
11,33
